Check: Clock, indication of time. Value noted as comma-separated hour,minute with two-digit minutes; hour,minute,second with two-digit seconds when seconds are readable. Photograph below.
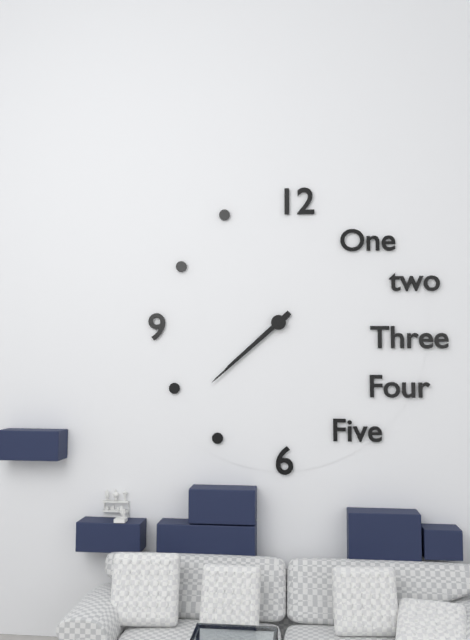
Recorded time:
7,38
